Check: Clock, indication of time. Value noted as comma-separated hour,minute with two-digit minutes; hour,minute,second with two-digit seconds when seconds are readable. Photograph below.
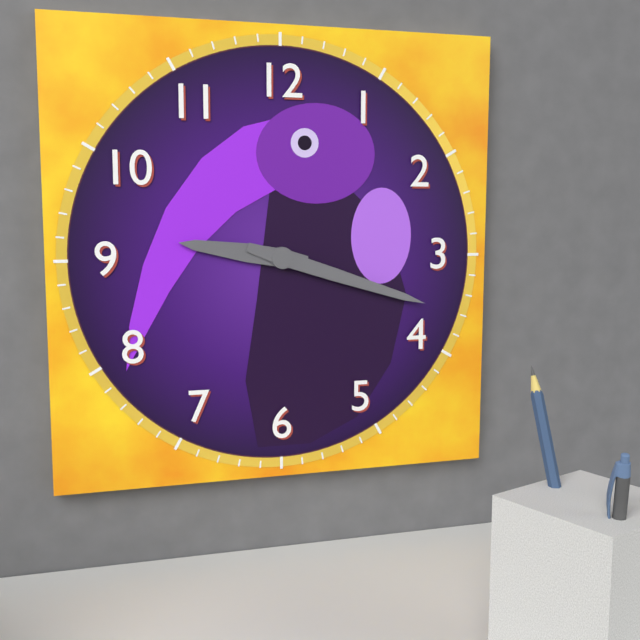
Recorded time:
9,18
